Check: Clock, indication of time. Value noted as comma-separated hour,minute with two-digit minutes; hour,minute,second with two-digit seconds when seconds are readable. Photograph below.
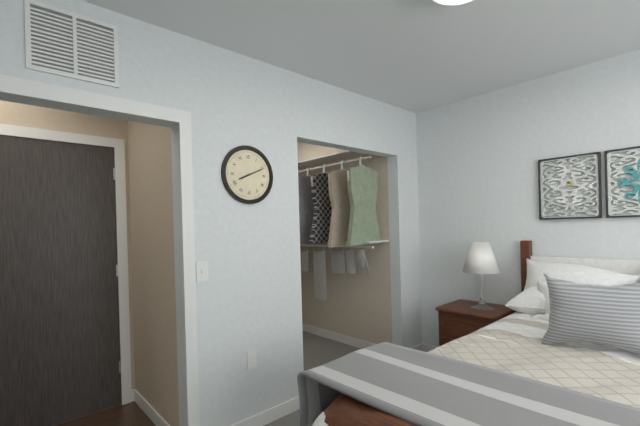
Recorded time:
8,11
